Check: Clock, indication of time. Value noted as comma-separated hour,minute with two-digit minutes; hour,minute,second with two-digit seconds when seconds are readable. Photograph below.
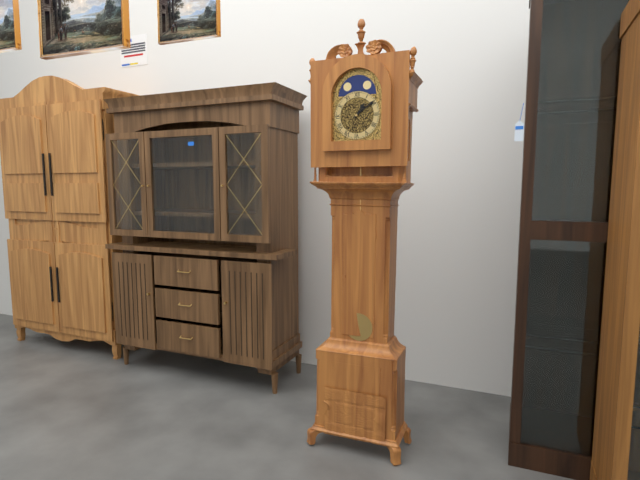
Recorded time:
1,09
